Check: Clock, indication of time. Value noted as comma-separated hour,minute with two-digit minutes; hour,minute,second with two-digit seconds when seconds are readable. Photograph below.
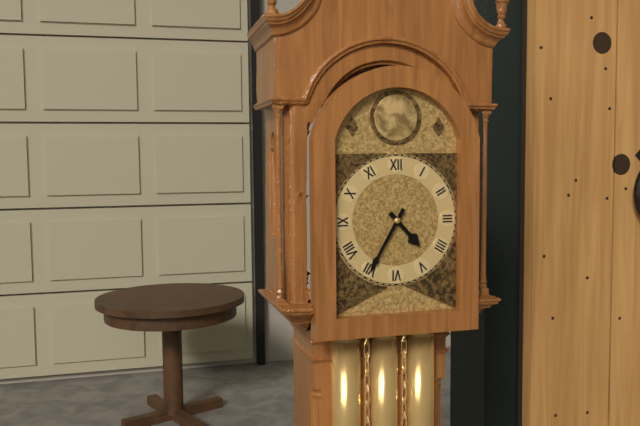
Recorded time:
4,35
